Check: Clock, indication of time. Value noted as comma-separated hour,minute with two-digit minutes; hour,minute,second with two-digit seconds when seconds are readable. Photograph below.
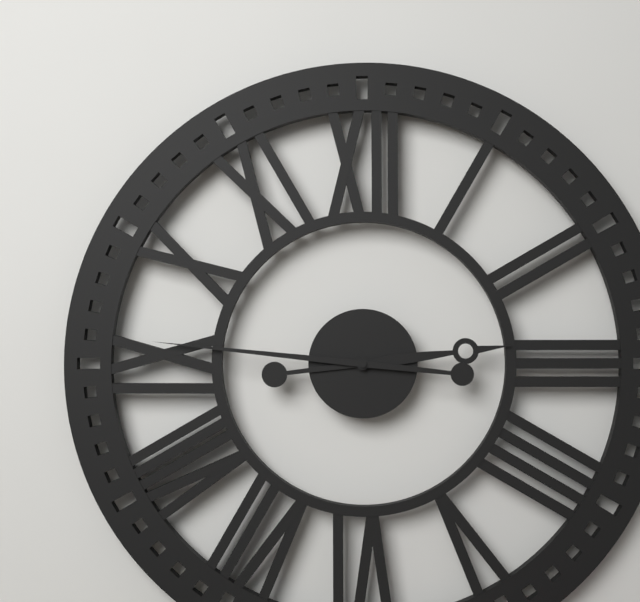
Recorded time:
2,46
